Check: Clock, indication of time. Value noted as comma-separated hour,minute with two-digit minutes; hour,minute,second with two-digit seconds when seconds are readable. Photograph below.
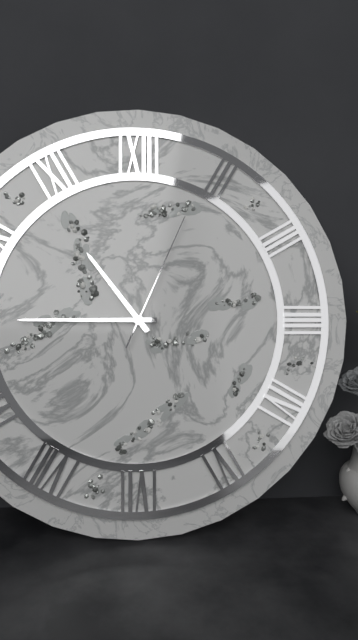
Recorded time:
10,45,04
